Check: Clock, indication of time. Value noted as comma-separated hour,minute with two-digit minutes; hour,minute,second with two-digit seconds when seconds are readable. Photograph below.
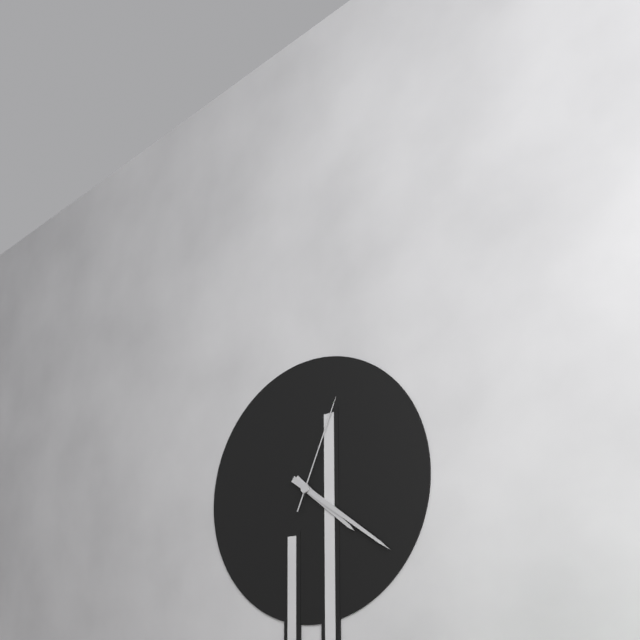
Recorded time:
4,21,04
